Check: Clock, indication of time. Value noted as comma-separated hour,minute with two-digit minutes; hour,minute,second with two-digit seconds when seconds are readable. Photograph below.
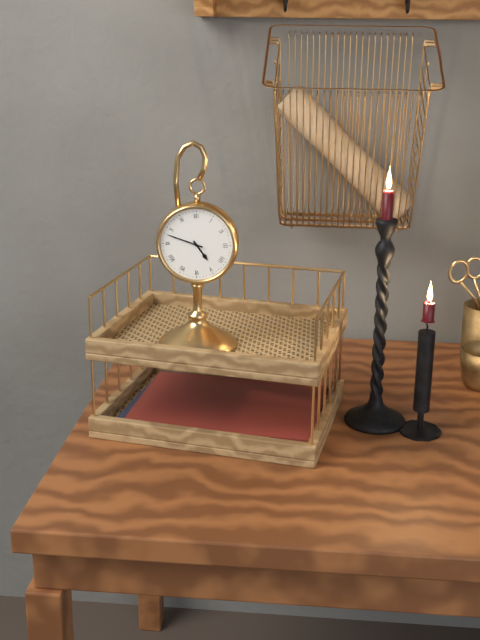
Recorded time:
4,48
